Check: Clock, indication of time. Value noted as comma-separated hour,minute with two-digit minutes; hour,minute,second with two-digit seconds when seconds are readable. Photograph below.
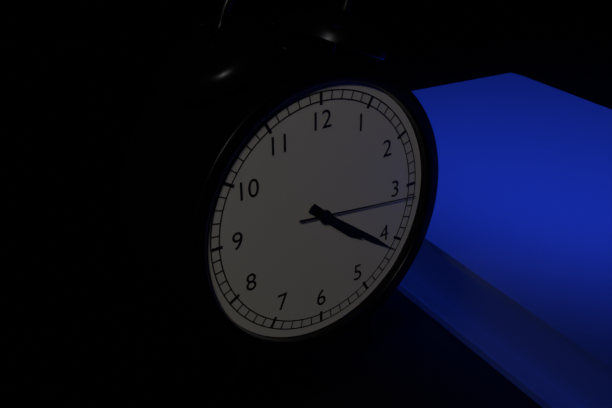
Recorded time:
4,21,16
